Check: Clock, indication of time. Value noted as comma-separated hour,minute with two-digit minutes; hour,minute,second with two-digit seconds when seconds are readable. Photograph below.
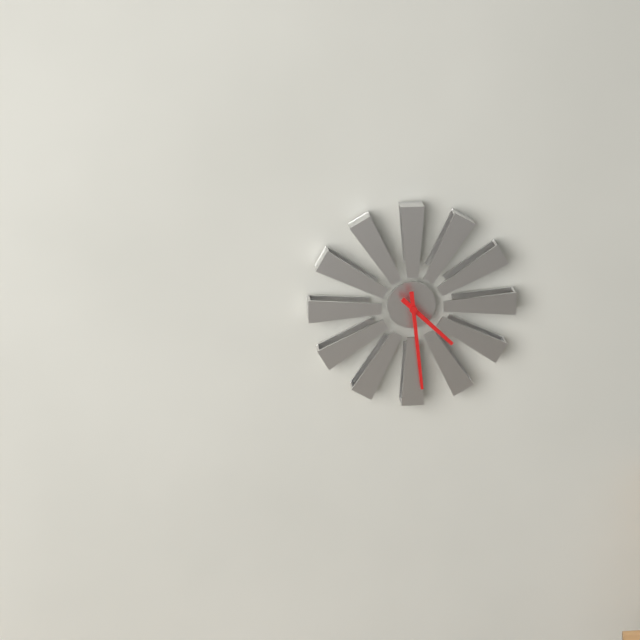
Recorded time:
4,29
